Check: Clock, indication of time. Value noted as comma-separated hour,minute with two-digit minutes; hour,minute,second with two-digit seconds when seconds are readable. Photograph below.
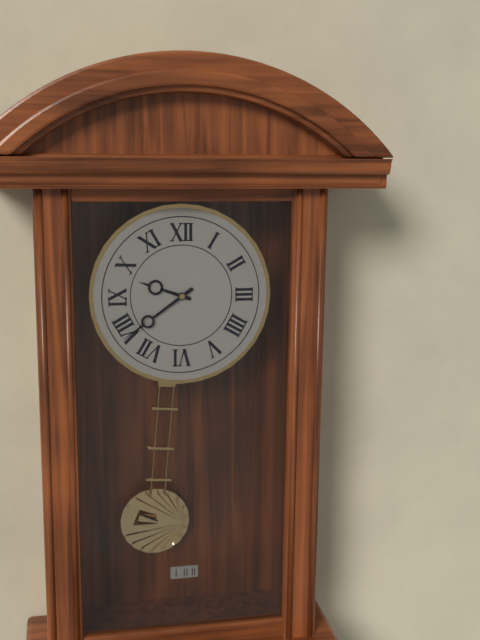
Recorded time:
9,39
